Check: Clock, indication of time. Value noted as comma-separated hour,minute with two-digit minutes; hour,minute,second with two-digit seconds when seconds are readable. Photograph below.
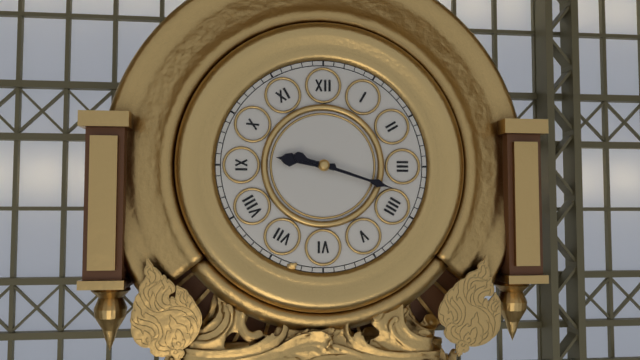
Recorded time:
9,18
